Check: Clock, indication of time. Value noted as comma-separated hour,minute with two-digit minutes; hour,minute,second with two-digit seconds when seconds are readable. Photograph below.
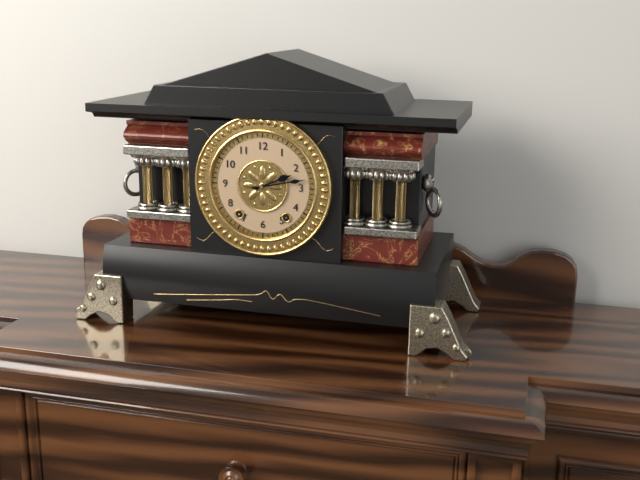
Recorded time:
2,13
